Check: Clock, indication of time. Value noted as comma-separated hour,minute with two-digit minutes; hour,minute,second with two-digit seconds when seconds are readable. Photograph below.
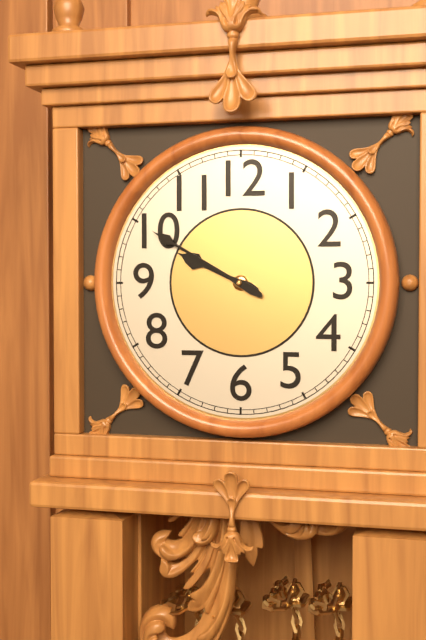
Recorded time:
9,50
